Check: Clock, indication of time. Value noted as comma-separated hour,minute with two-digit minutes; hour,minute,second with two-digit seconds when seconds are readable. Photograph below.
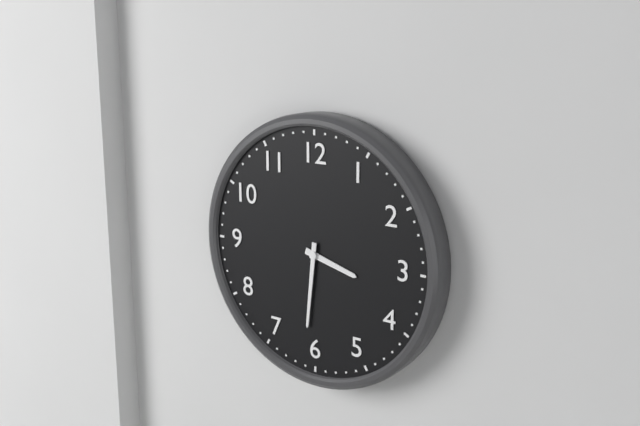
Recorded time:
3,31
